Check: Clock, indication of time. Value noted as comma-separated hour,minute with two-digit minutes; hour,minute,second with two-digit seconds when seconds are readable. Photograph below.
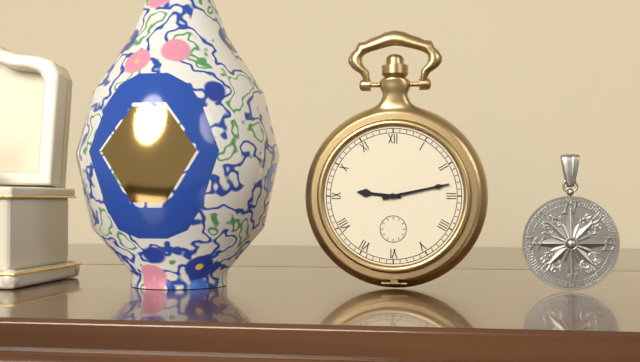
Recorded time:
9,13
